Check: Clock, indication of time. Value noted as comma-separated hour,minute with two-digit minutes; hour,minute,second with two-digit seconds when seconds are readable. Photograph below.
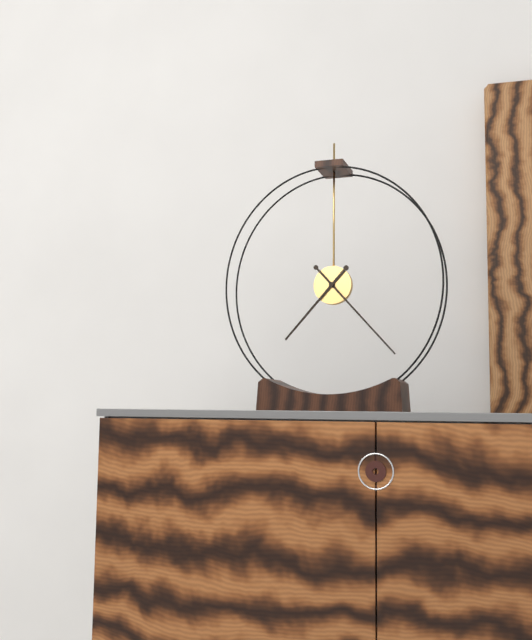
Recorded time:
7,23
